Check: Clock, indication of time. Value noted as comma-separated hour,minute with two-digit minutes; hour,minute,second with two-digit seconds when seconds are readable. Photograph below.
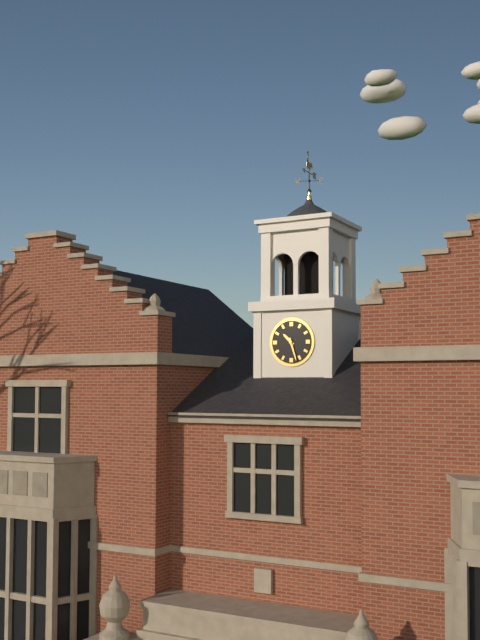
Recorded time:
10,27
